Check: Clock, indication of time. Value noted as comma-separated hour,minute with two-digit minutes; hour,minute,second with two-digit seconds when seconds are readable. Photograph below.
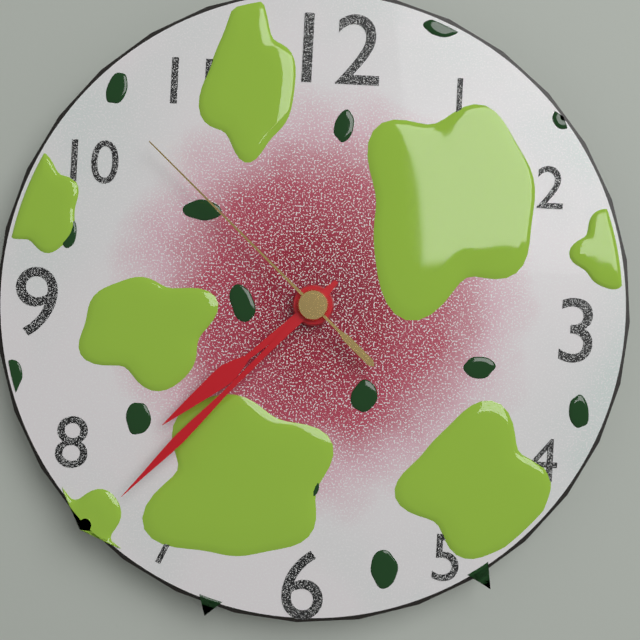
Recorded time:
7,37,52
